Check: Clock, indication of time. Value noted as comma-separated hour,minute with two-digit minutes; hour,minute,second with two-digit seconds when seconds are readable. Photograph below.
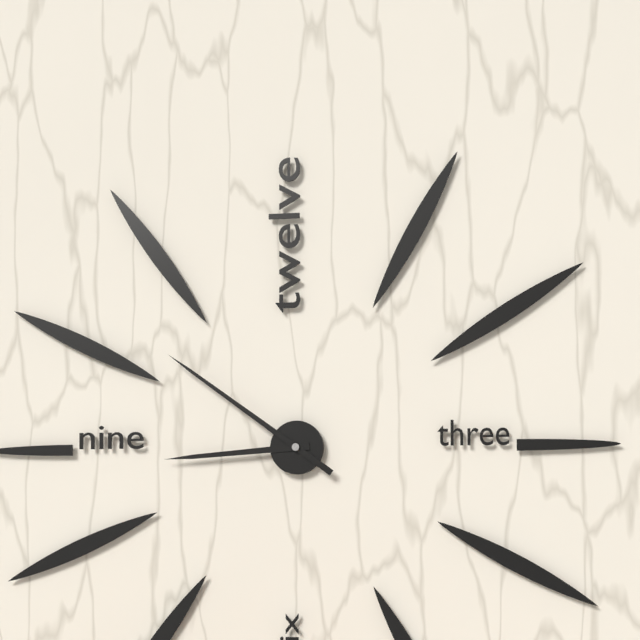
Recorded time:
8,51
